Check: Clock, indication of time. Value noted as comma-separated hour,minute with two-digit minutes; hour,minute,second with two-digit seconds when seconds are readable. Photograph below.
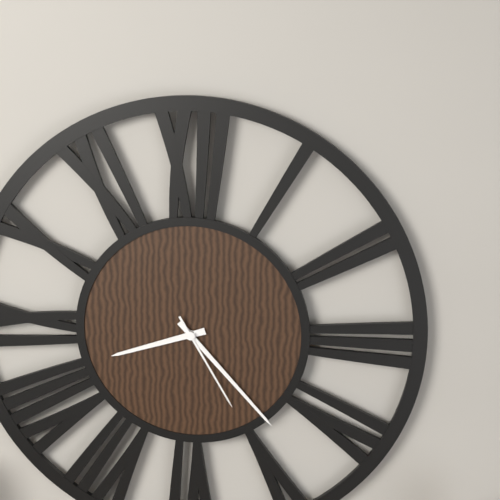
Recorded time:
8,23,25
